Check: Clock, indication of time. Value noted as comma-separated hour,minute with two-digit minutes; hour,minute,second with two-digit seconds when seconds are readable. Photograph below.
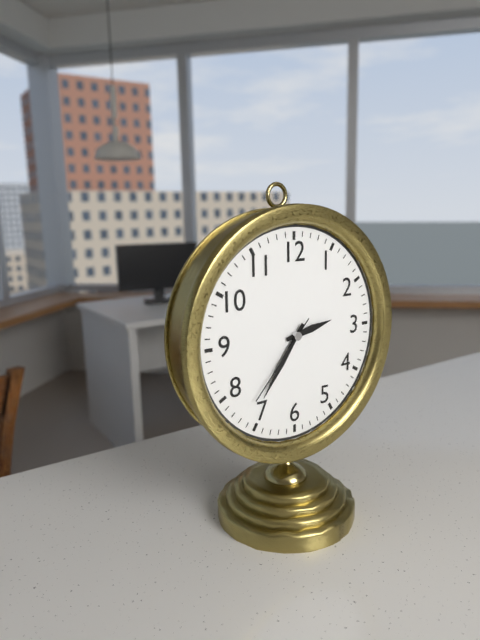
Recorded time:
2,36,37
